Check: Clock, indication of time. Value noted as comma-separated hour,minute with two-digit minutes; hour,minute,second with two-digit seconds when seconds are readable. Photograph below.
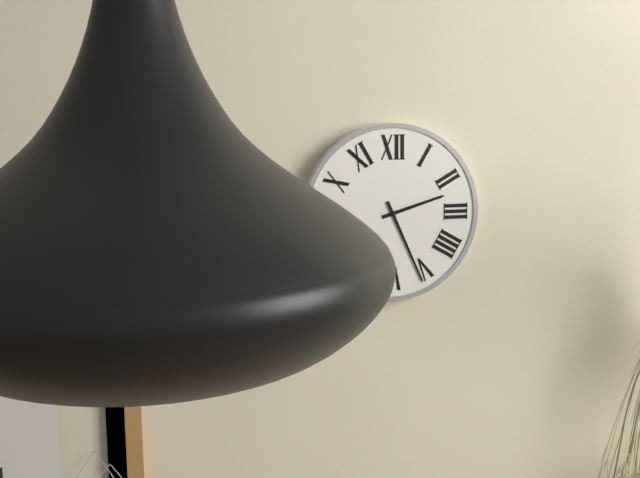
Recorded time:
2,26
